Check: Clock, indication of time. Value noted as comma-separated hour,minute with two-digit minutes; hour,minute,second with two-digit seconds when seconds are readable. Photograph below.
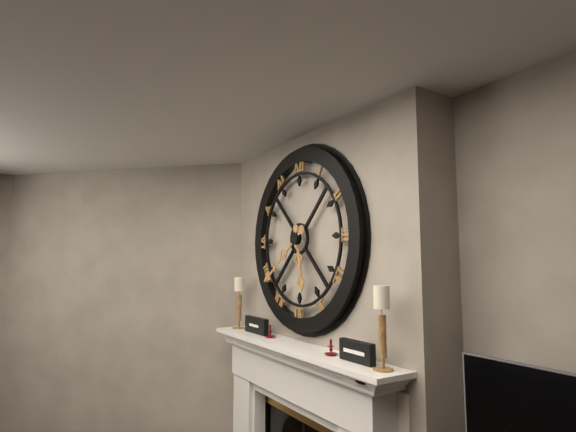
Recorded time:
5,39
